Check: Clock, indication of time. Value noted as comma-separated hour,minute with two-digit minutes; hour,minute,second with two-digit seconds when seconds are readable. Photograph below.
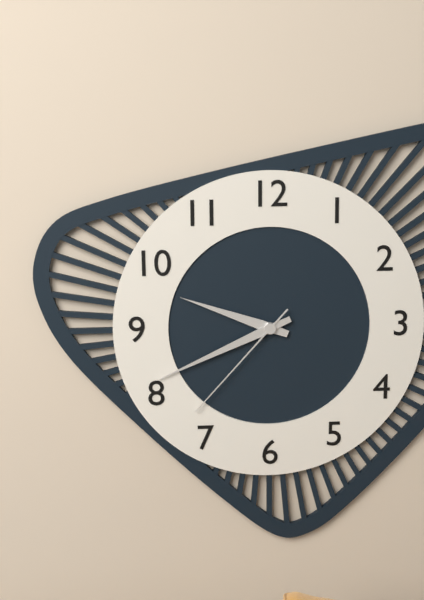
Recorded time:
9,41,37
